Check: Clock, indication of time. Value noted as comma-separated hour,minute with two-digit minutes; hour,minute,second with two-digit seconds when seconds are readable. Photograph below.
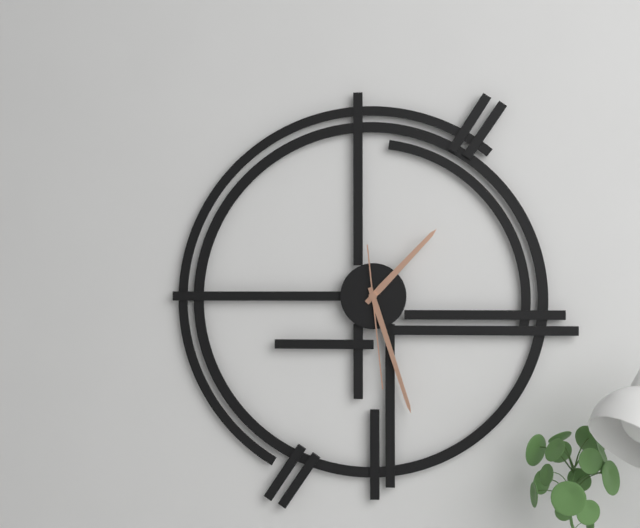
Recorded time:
1,27,29
